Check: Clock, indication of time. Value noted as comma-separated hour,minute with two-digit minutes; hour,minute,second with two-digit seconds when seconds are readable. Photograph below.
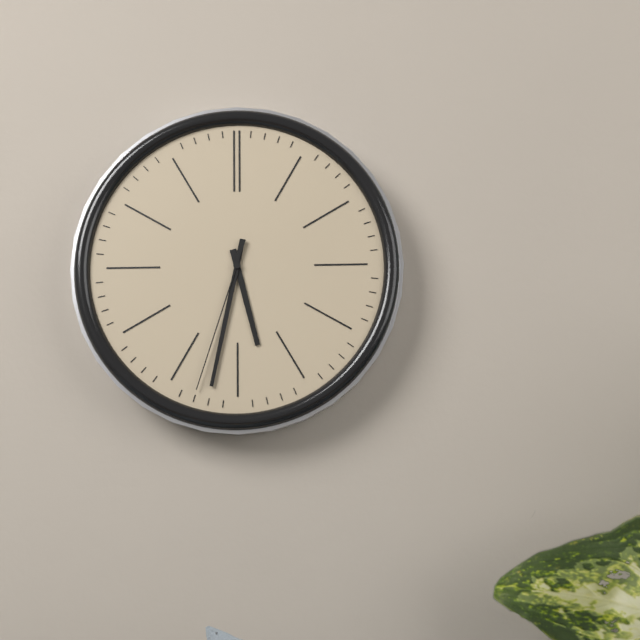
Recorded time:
5,32,33
